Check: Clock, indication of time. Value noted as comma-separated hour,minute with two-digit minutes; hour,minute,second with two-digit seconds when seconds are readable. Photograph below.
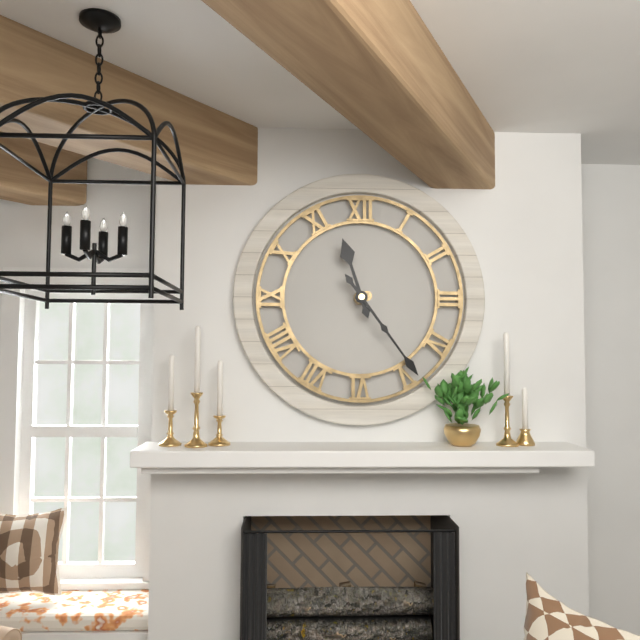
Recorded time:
11,24
